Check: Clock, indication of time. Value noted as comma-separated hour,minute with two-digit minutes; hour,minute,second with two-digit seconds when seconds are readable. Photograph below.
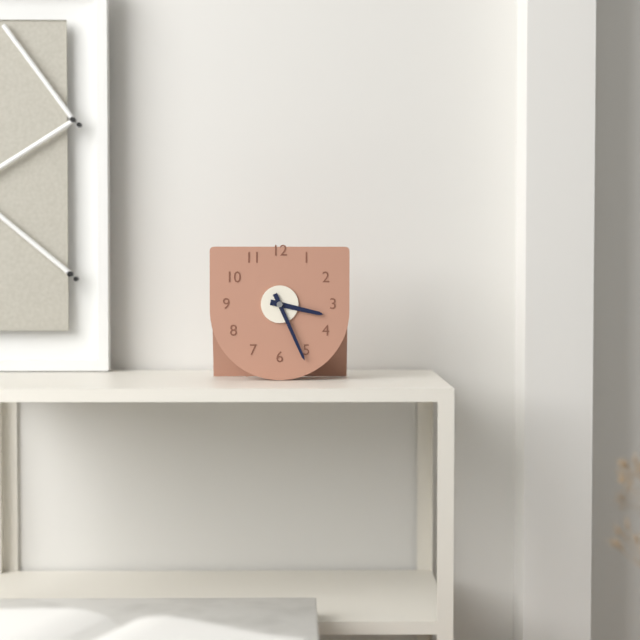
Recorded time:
3,26
